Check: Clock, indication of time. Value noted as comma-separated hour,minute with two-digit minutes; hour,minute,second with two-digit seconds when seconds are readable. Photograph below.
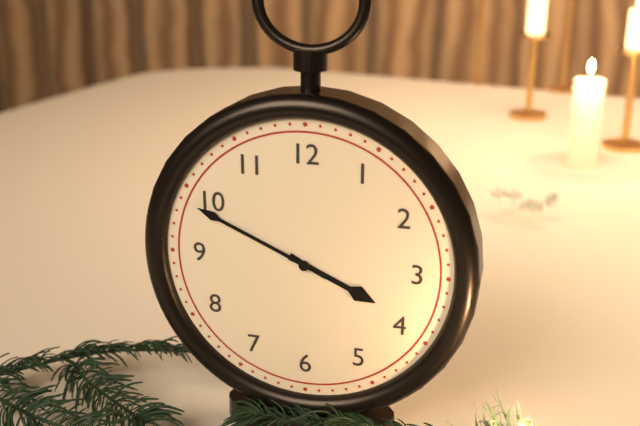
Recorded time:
3,49
